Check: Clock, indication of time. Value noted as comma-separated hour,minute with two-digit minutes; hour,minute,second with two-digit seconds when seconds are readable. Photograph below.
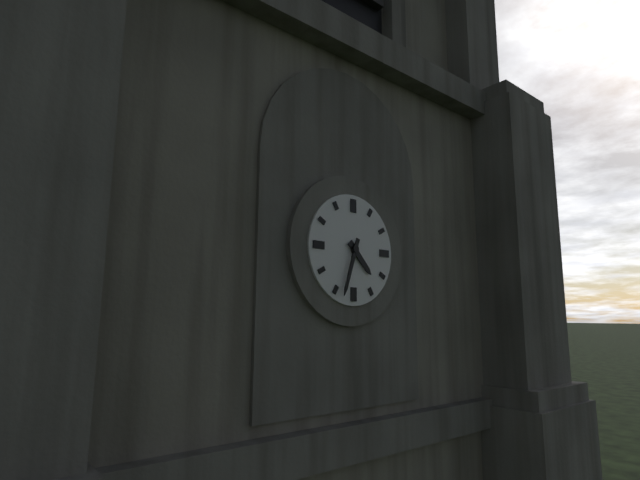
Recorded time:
4,33
